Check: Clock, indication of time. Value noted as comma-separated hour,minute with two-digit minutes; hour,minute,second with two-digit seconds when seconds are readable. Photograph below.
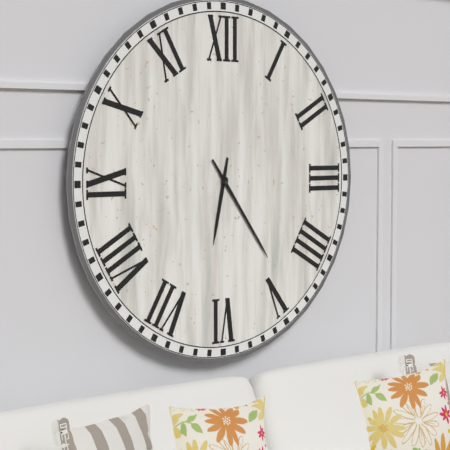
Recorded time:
6,24
